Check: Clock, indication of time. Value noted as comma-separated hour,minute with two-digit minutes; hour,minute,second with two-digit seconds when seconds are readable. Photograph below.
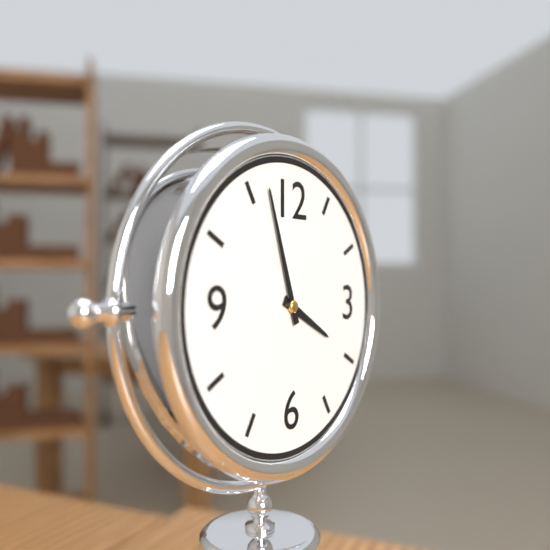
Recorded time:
3,57
